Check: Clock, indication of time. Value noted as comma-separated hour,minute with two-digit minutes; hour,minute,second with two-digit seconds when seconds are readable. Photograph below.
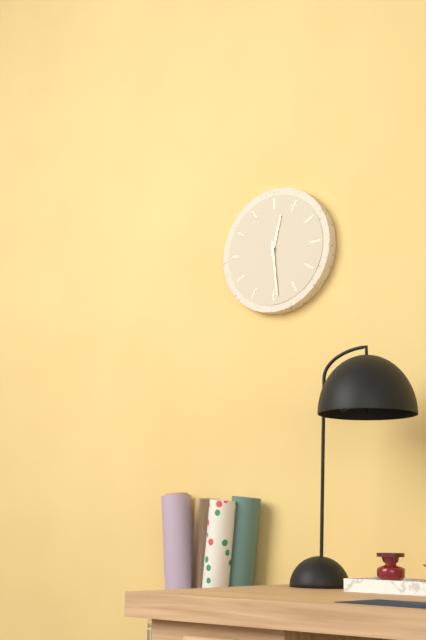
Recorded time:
12,29
